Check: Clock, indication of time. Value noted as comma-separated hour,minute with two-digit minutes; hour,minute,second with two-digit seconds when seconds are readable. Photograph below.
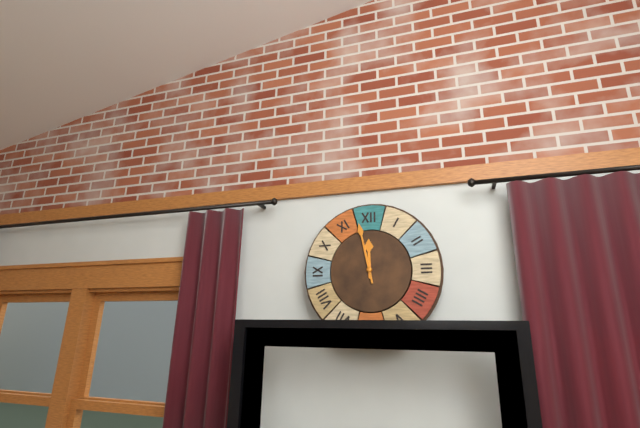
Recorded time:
11,58
